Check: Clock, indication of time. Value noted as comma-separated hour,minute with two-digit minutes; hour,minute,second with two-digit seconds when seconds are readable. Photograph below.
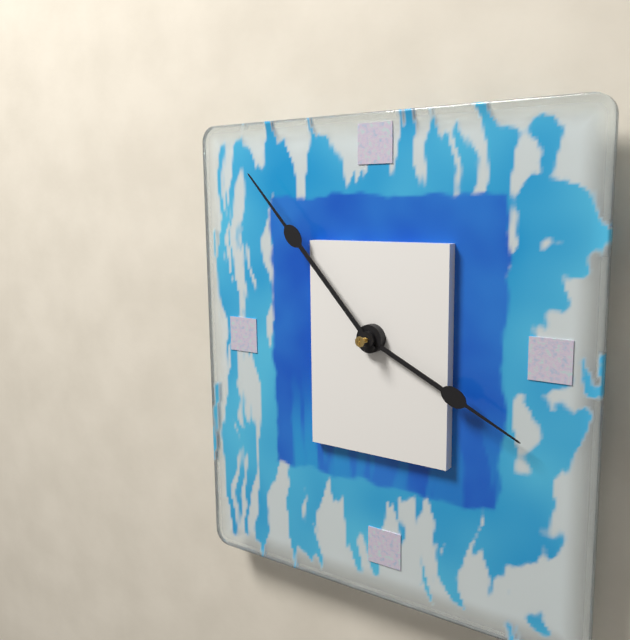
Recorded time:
3,53
